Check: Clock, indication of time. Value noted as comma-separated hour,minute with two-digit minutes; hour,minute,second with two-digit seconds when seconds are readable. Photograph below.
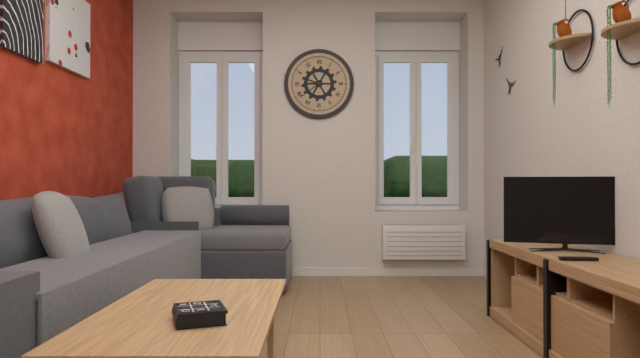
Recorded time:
9,39
